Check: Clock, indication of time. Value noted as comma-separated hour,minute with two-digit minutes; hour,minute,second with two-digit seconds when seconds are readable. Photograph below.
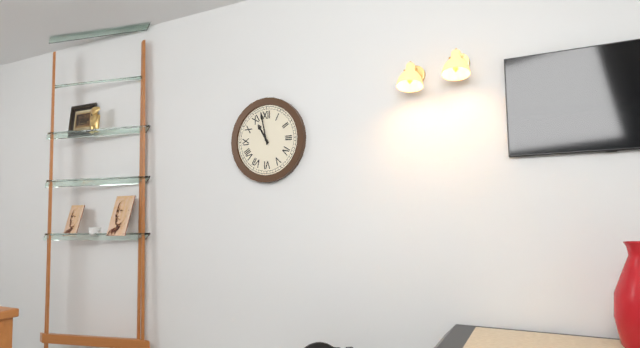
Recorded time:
10,58
